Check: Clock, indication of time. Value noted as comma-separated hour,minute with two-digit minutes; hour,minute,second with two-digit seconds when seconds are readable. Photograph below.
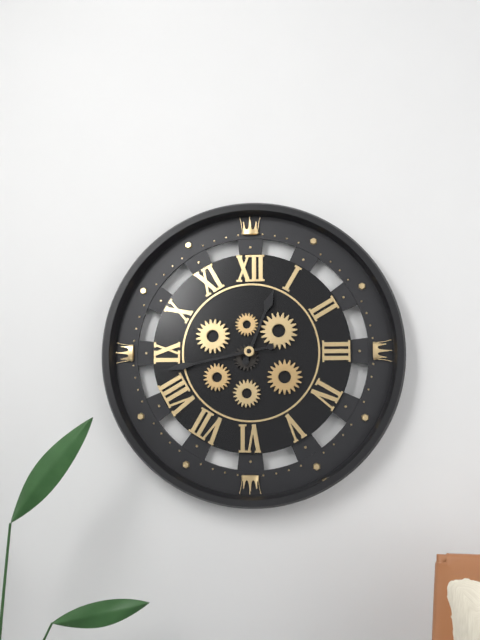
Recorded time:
12,43
